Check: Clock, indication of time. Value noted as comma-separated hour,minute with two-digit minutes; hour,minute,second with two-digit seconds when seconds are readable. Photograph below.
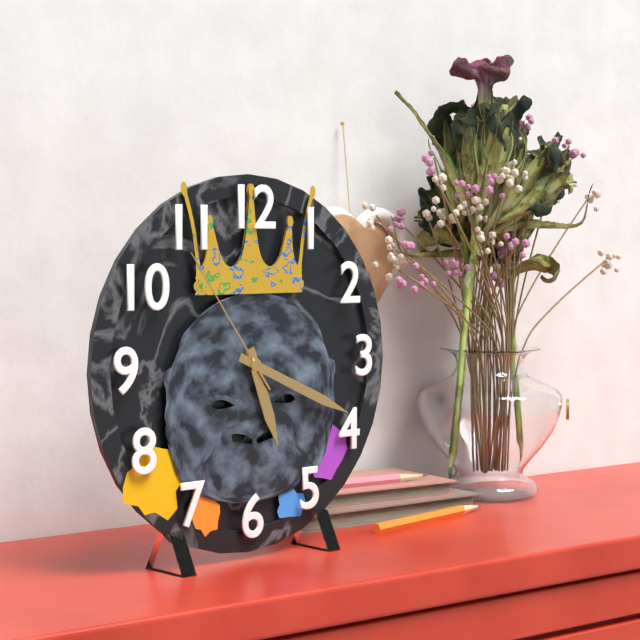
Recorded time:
5,19,54
